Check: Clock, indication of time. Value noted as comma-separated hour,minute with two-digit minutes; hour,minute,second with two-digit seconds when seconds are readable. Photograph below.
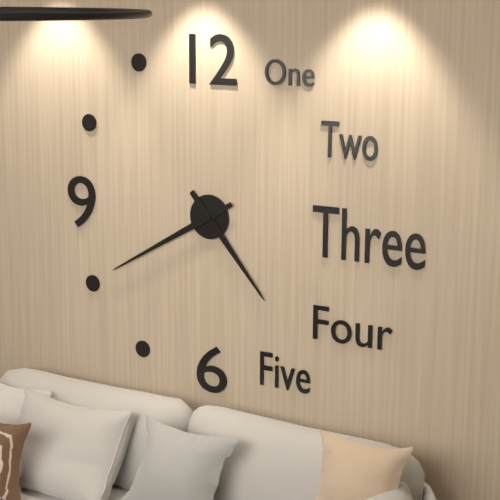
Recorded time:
4,40
